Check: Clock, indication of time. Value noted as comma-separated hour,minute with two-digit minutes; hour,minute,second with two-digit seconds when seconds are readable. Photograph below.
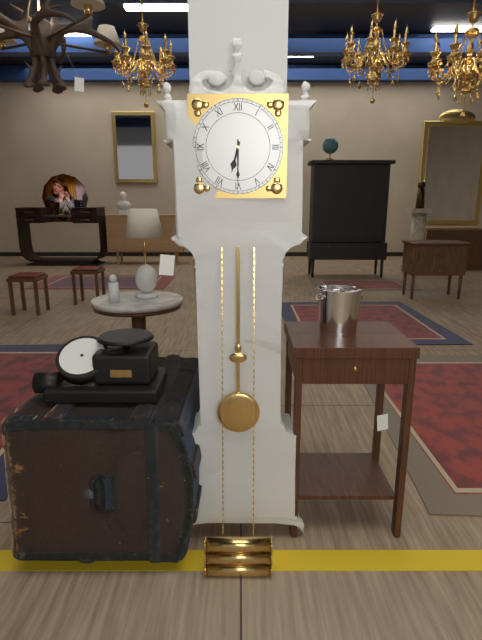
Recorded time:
6,30
